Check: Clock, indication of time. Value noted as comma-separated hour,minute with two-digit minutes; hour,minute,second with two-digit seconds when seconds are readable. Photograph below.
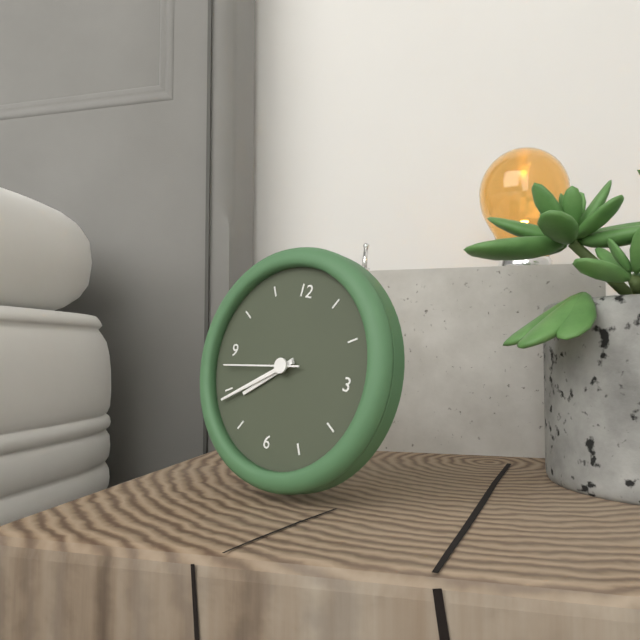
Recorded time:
7,39,43
